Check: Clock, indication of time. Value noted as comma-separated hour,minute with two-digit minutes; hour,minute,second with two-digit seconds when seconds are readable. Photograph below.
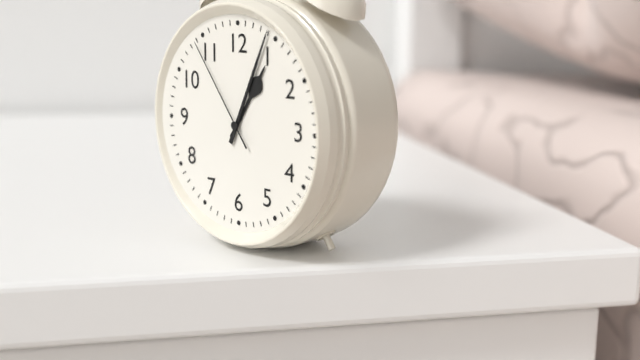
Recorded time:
1,04,54
